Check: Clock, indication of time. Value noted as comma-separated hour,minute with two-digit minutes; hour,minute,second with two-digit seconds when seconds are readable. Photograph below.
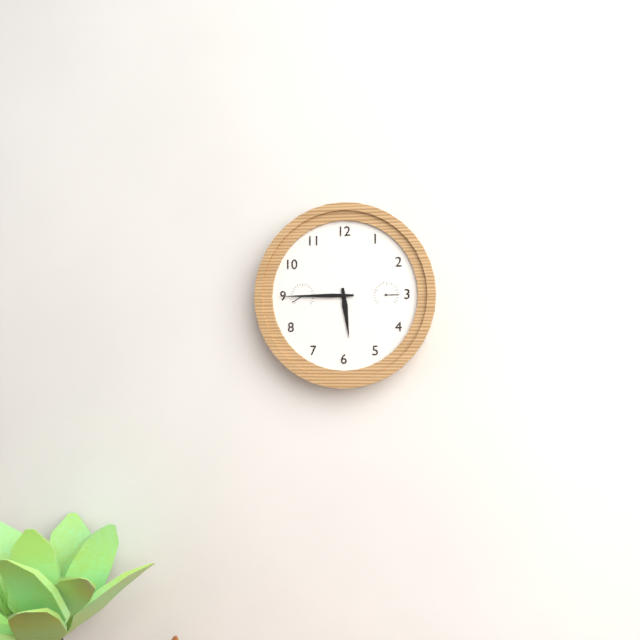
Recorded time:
5,45
